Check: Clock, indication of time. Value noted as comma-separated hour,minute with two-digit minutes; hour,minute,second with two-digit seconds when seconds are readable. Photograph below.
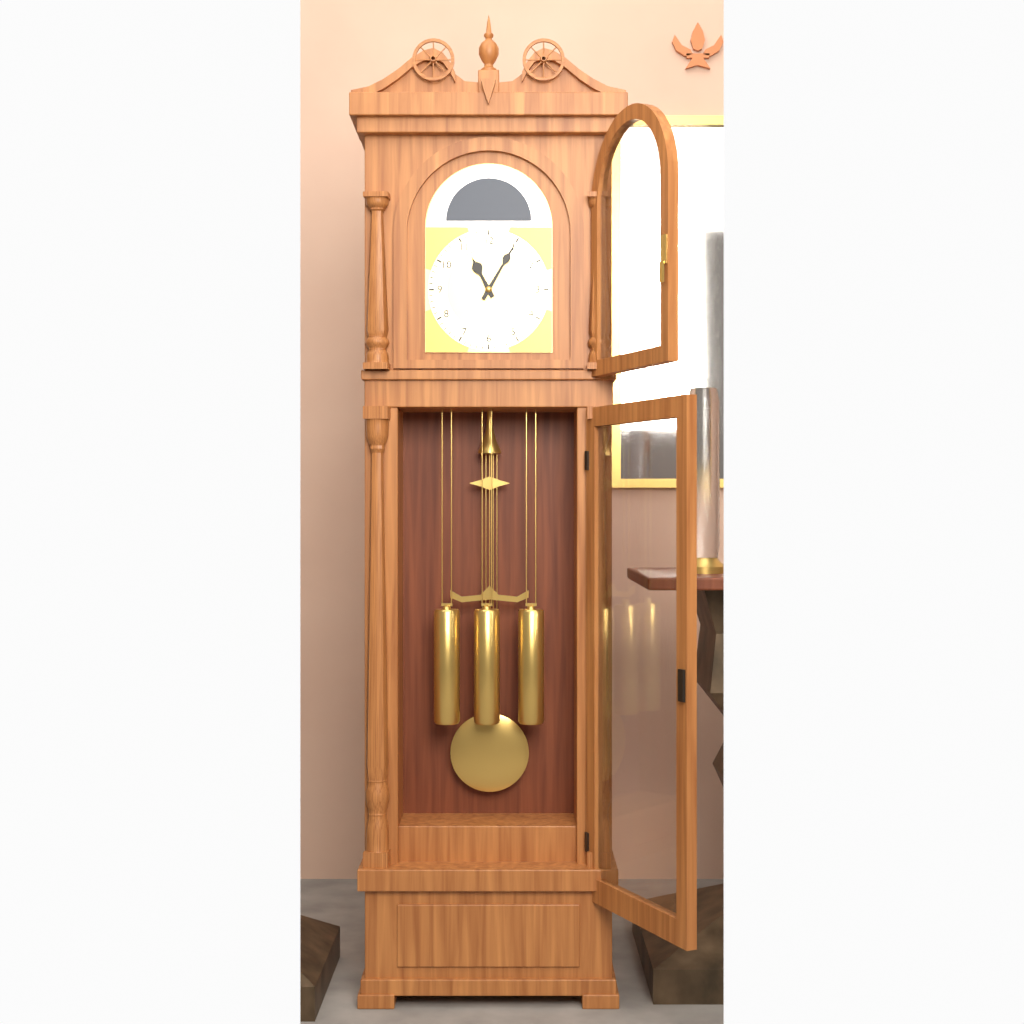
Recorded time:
11,05
